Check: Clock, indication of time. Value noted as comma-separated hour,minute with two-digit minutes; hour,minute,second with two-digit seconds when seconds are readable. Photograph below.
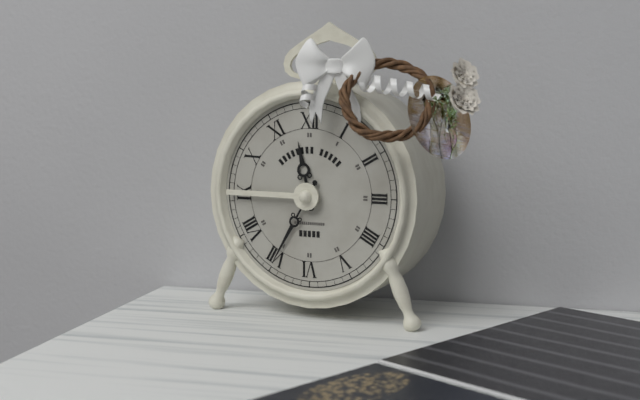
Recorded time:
11,35
